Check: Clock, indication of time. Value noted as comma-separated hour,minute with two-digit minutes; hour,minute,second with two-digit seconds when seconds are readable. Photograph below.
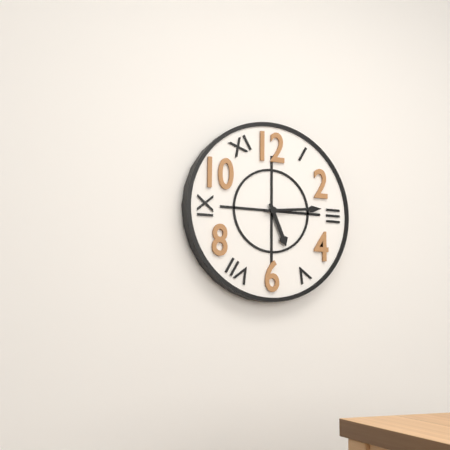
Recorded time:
5,14
